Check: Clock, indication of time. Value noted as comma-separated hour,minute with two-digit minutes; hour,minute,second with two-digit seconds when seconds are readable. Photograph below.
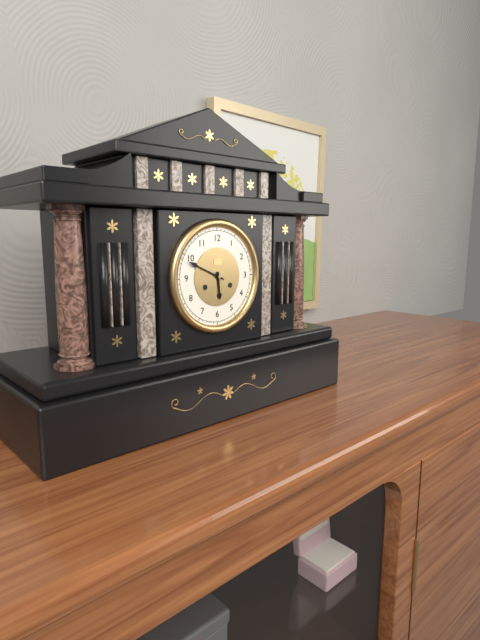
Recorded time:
5,49
